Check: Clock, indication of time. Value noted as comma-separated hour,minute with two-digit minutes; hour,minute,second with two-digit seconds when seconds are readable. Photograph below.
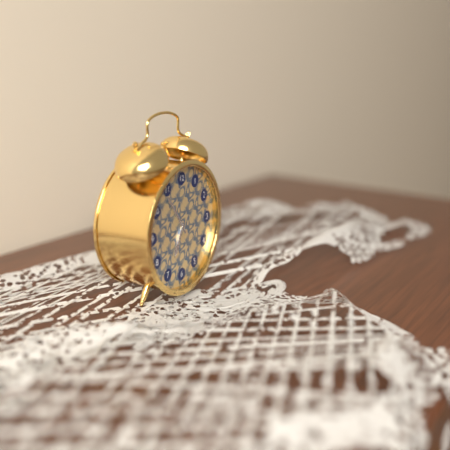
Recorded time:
6,54
